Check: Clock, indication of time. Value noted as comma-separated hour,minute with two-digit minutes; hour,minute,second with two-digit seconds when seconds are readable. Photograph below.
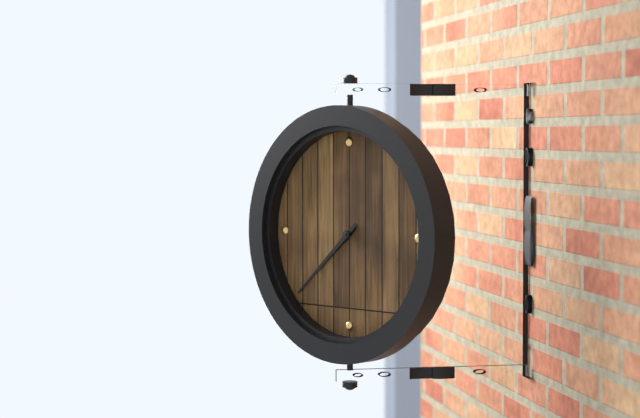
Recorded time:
7,38
